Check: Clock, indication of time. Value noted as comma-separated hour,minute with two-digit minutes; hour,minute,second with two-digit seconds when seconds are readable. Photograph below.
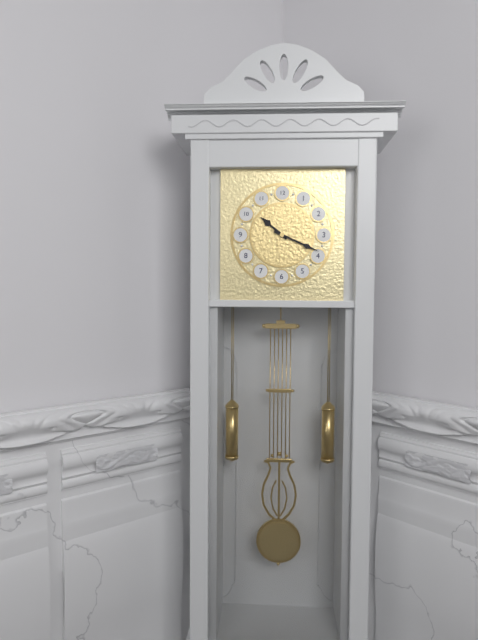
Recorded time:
10,19
